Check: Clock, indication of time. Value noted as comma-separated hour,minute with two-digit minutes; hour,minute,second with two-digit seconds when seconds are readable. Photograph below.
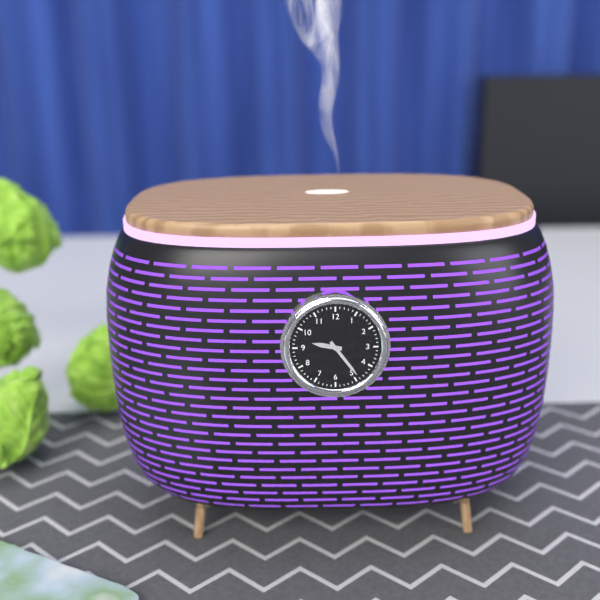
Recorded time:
9,24
